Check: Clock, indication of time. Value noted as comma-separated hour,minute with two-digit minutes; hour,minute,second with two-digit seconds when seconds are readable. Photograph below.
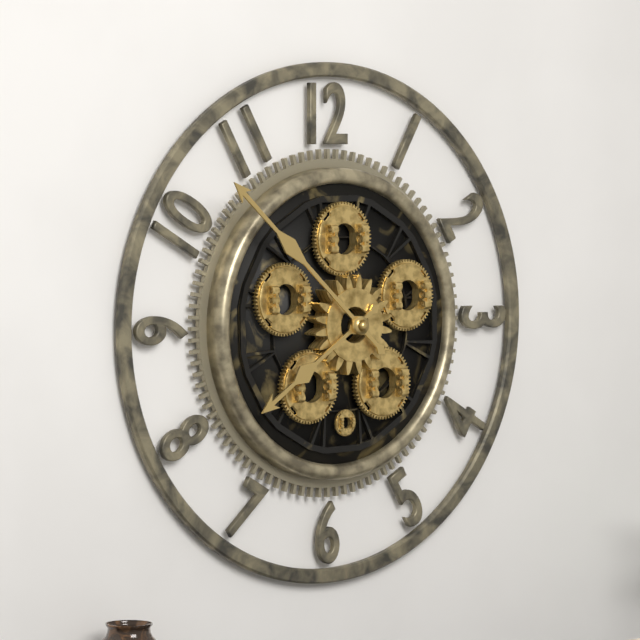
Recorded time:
7,52
